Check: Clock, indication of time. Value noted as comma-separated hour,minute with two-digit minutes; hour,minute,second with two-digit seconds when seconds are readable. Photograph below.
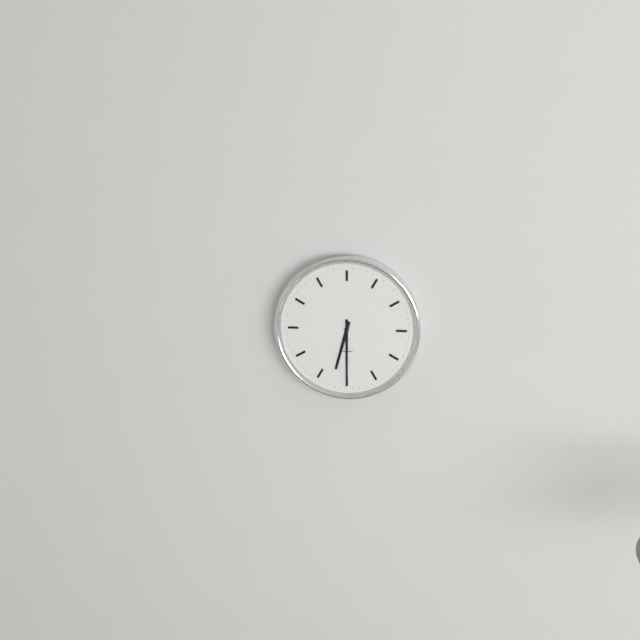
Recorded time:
6,30
